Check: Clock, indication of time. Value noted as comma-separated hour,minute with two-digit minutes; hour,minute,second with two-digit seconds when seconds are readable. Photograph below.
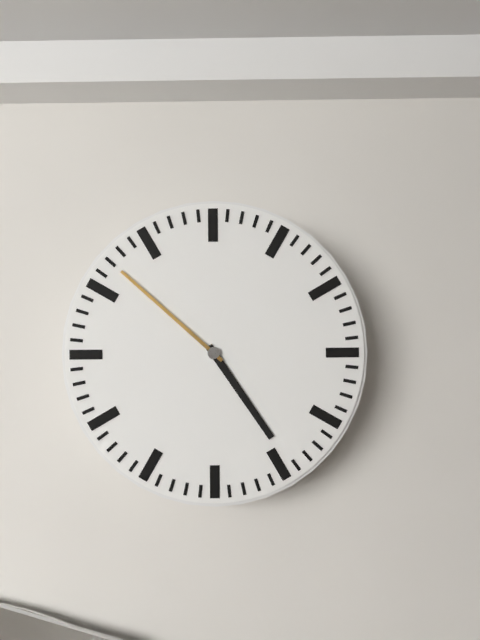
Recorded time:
4,52
